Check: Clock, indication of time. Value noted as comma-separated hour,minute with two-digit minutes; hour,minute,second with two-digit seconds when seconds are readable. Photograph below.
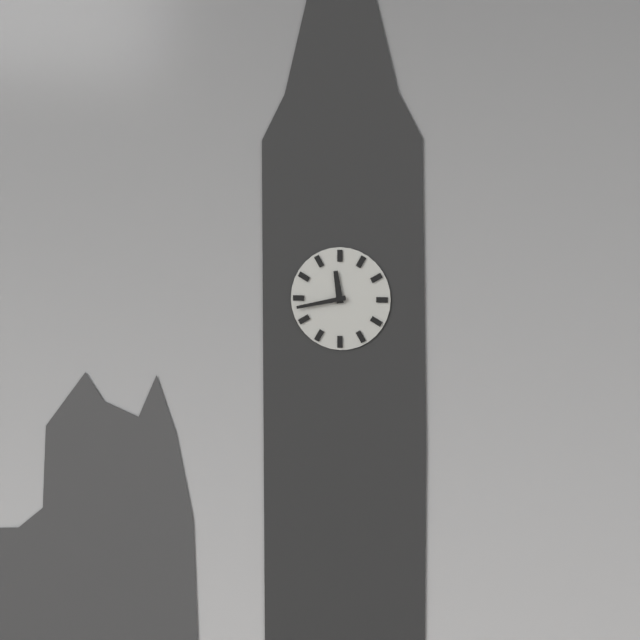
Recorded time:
11,43
